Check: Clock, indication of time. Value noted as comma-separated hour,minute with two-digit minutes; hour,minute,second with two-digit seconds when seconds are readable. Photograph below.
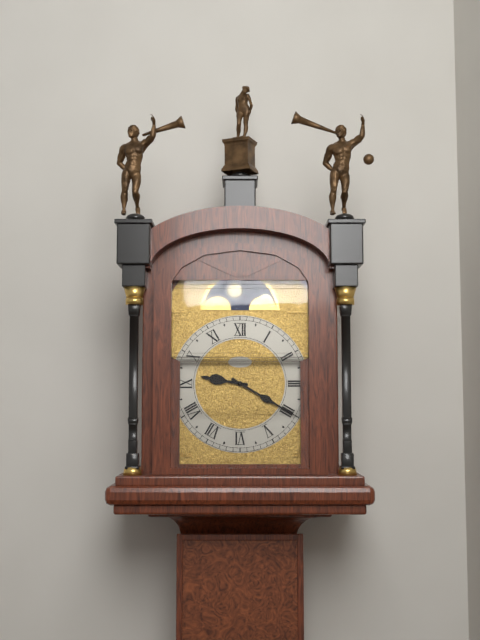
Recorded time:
9,20
